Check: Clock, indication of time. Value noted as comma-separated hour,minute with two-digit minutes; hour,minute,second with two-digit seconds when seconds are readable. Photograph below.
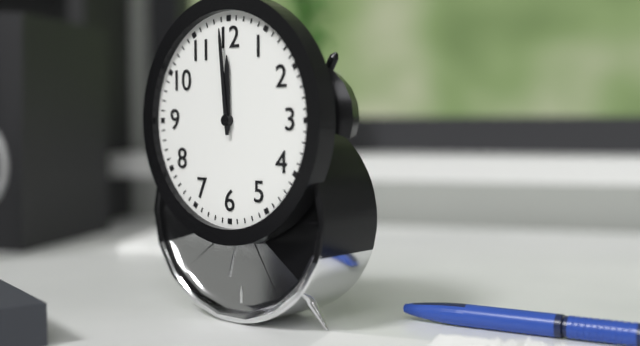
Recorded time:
11,59
